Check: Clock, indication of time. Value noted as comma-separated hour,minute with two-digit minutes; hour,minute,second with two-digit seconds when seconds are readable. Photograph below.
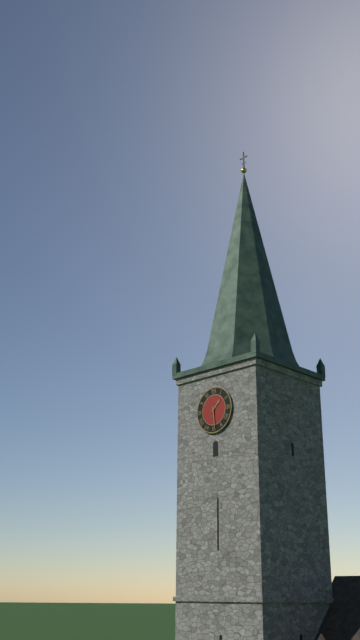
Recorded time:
1,29
